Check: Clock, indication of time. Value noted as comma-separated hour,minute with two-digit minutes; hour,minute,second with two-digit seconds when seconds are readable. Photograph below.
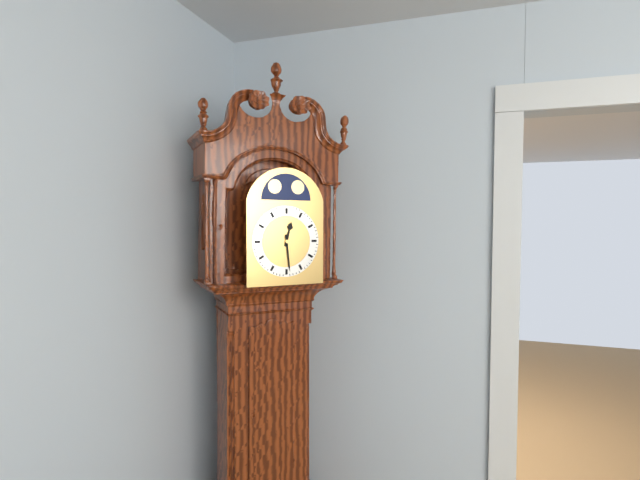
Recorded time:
12,29
